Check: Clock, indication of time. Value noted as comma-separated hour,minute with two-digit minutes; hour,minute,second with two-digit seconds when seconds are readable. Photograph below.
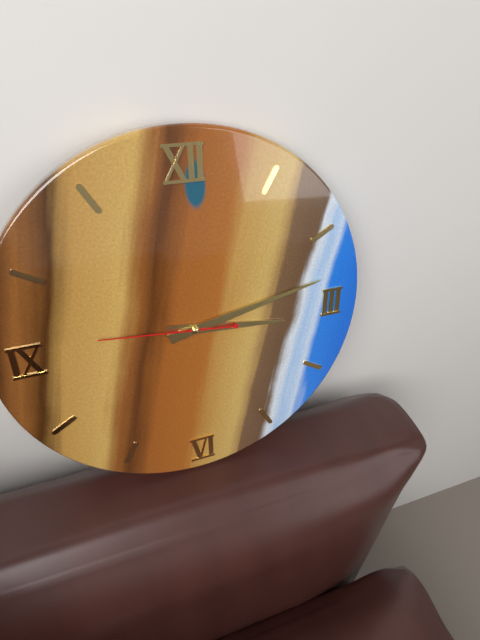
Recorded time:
3,13,46
